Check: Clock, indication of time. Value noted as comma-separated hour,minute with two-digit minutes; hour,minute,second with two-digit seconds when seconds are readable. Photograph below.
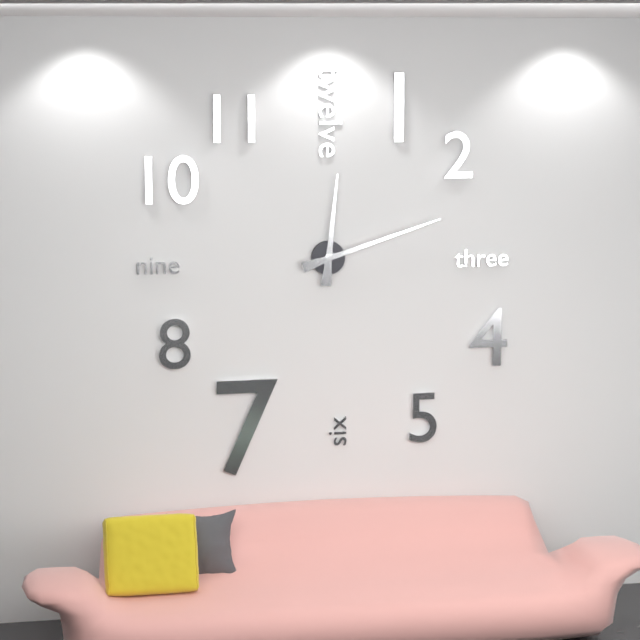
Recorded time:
12,12
